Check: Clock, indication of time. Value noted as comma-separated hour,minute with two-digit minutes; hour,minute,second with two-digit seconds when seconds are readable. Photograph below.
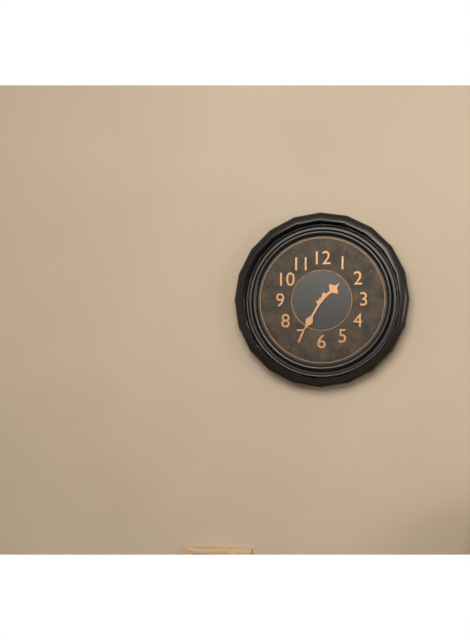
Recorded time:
1,35
